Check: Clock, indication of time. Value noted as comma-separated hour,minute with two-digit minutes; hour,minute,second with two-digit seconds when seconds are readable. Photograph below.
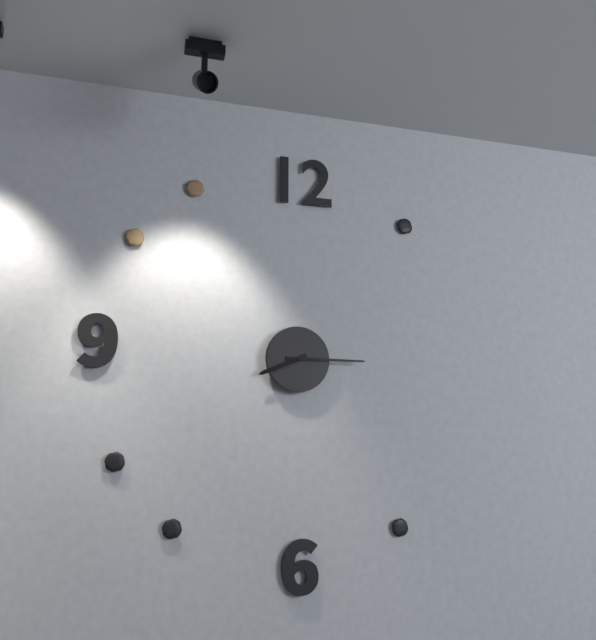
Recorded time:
8,15
